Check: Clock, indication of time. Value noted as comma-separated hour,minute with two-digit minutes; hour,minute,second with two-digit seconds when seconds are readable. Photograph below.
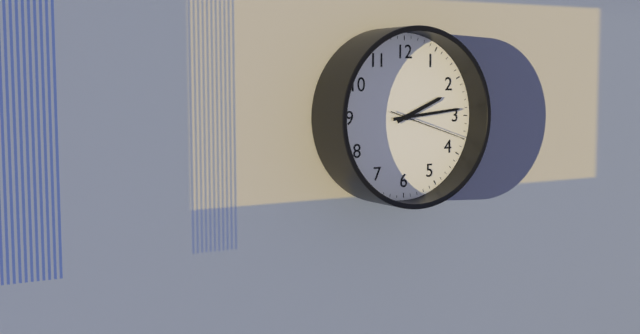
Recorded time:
2,14,18
